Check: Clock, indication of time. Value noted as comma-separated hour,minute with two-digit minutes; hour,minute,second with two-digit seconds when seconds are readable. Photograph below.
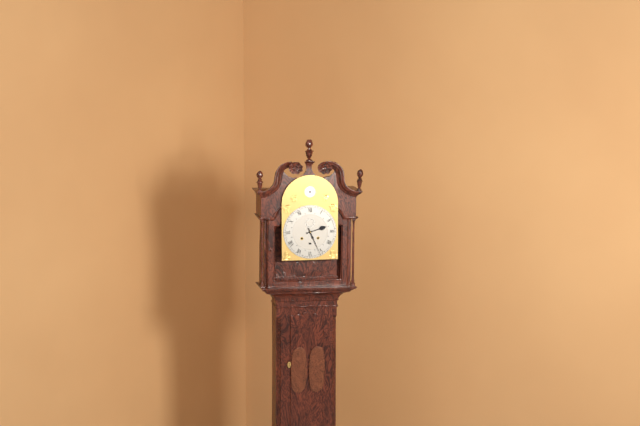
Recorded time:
2,26
